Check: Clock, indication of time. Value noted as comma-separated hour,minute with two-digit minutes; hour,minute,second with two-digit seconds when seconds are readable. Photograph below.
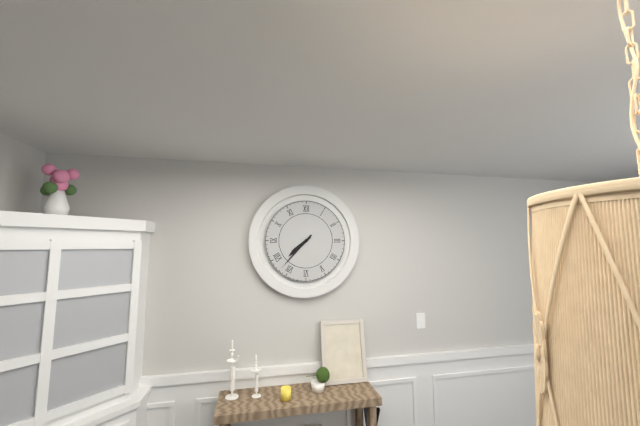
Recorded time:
7,37
